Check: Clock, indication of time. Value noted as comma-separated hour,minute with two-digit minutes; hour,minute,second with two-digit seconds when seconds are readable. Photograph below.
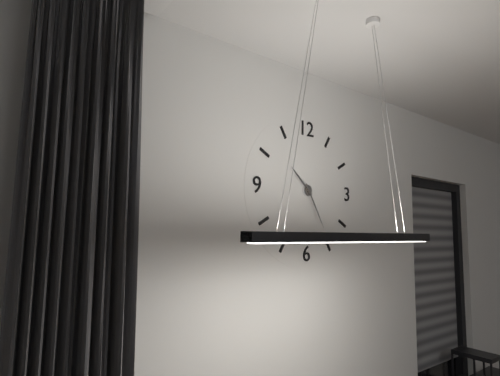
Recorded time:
10,25
